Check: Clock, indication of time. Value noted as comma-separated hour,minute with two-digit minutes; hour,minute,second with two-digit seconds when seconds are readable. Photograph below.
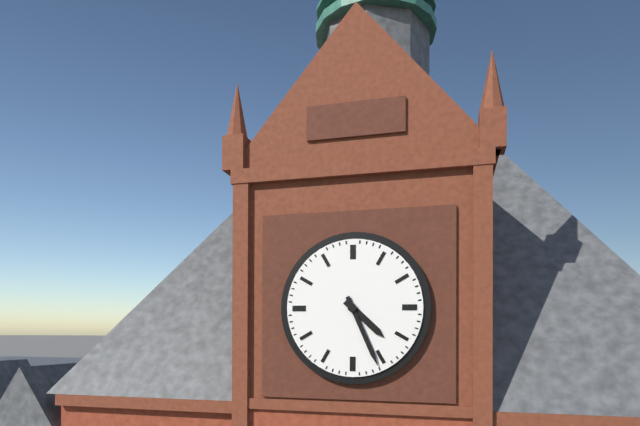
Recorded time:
4,26
